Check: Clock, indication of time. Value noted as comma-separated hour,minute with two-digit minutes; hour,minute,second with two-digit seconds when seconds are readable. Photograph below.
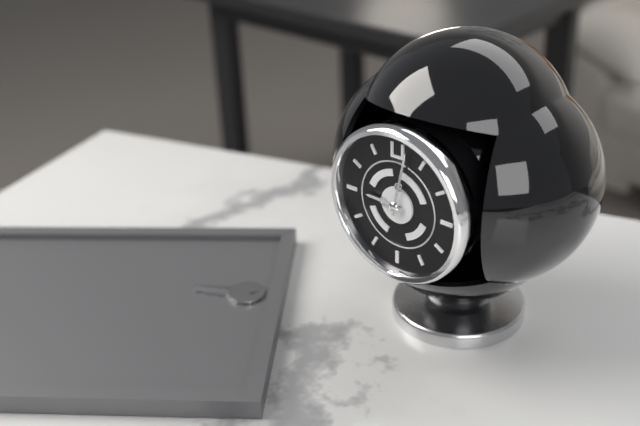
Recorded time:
9,02
